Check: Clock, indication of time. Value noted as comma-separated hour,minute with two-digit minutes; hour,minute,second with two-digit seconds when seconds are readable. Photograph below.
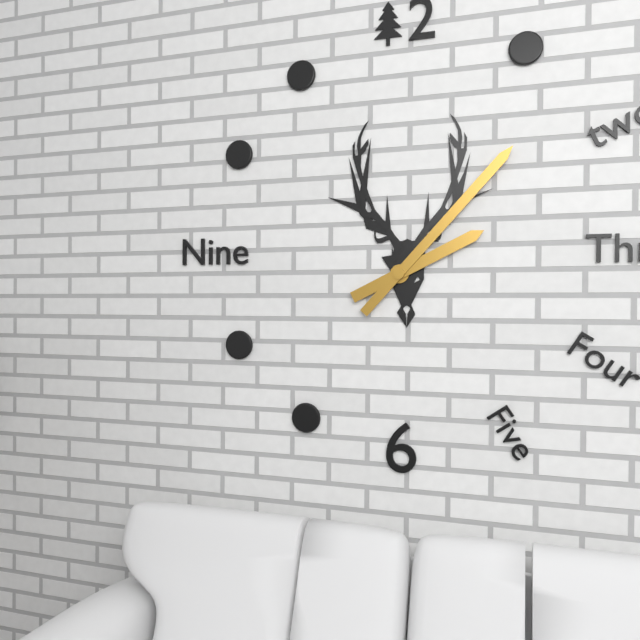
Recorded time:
2,07
